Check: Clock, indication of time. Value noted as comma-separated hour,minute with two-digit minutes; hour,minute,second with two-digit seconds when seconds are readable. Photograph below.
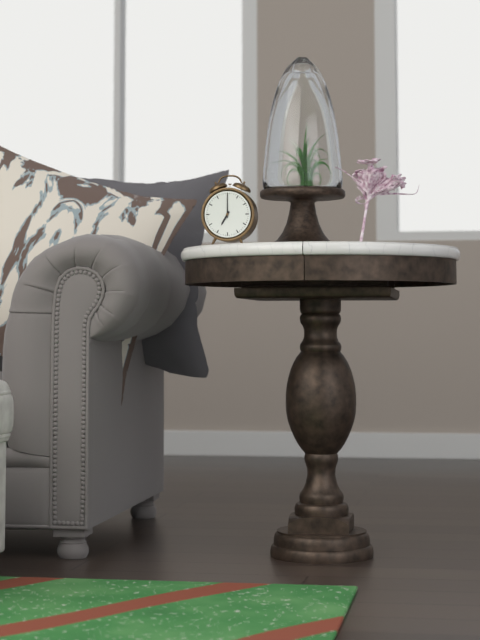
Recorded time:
7,00
